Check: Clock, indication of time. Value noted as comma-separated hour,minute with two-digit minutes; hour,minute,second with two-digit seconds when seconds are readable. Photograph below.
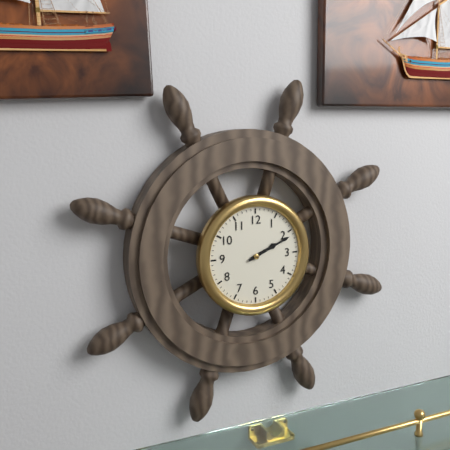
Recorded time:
2,11
